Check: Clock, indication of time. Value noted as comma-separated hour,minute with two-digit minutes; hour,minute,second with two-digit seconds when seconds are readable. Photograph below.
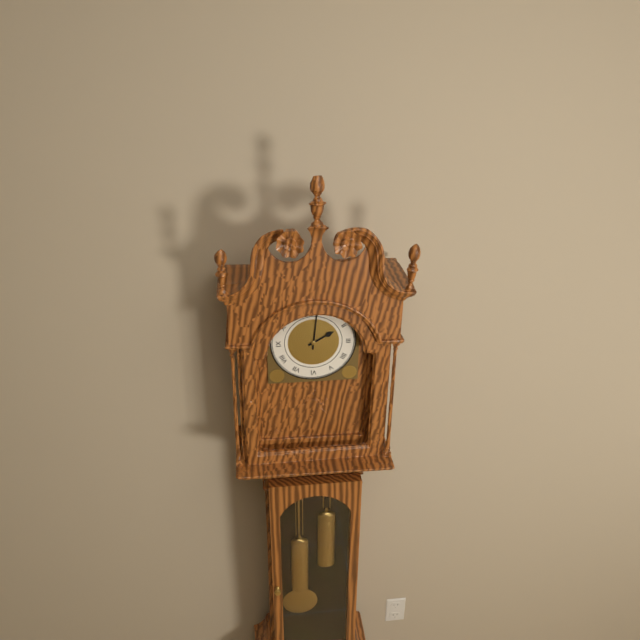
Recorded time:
2,01
